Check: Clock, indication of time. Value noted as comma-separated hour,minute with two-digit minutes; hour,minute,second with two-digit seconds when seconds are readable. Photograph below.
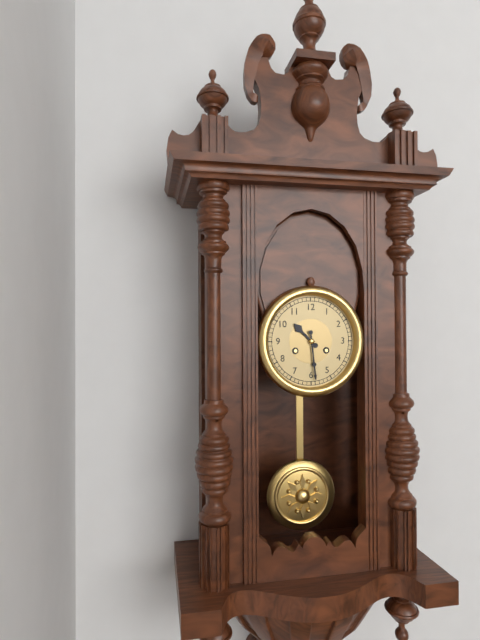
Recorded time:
10,29
